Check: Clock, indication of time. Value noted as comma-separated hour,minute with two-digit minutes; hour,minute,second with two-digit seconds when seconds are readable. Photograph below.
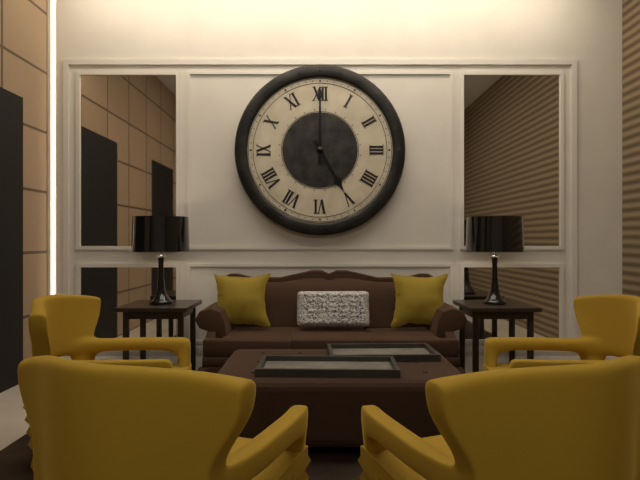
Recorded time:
5,00
